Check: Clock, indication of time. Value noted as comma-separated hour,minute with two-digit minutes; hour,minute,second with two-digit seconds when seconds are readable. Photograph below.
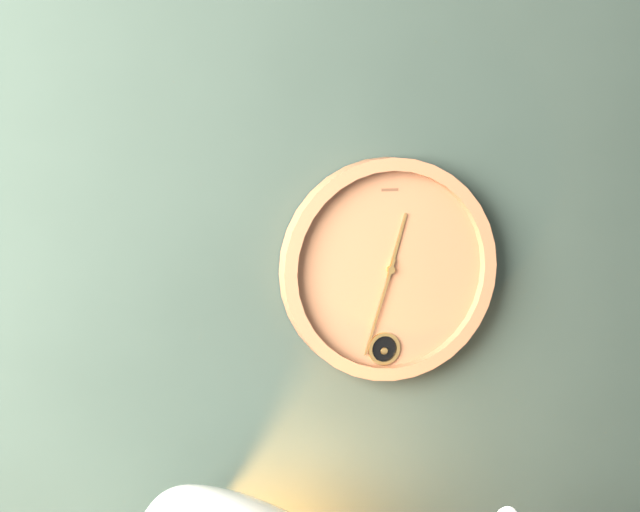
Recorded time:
12,33
